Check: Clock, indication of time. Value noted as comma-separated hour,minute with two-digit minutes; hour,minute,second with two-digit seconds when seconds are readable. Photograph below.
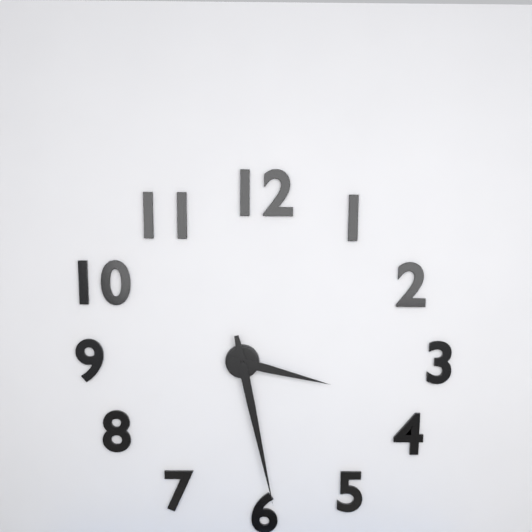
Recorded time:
3,28
